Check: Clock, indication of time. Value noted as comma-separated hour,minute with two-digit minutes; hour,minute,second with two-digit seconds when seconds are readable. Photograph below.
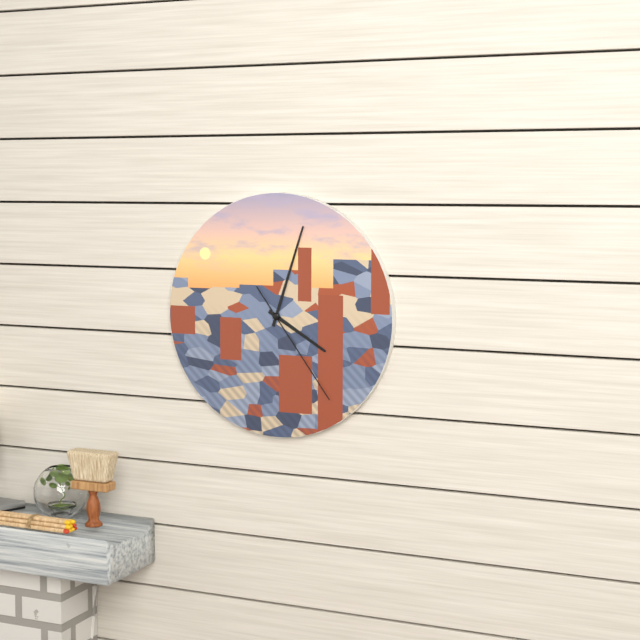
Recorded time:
4,03,24
